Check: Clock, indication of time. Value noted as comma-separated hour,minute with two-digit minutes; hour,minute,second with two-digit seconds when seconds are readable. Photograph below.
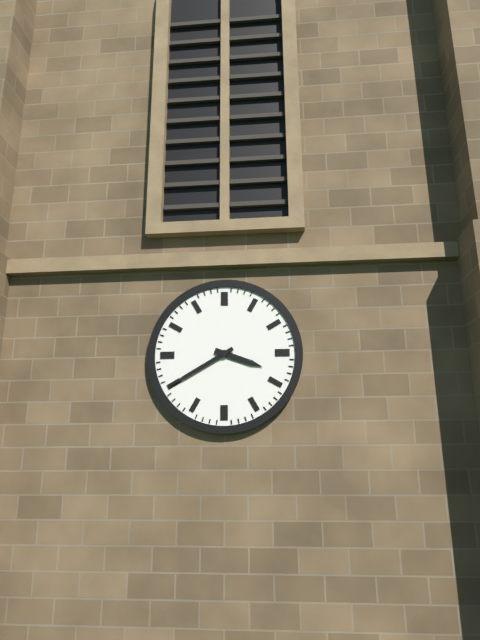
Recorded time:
3,40
